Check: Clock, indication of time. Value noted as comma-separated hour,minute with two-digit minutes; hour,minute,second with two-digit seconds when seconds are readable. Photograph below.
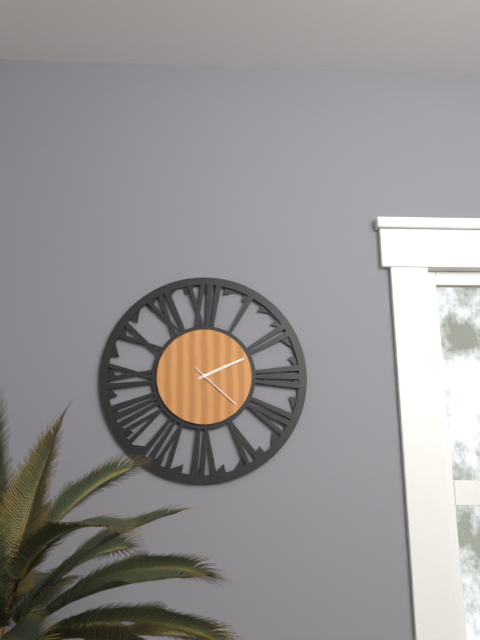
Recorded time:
2,11,22
